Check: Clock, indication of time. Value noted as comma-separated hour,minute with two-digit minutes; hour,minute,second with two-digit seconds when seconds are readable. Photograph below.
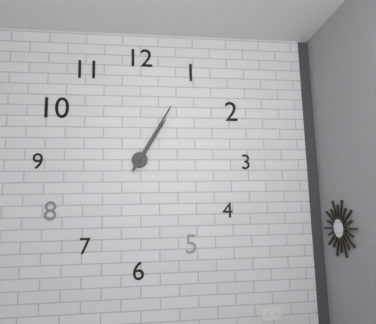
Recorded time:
1,05
